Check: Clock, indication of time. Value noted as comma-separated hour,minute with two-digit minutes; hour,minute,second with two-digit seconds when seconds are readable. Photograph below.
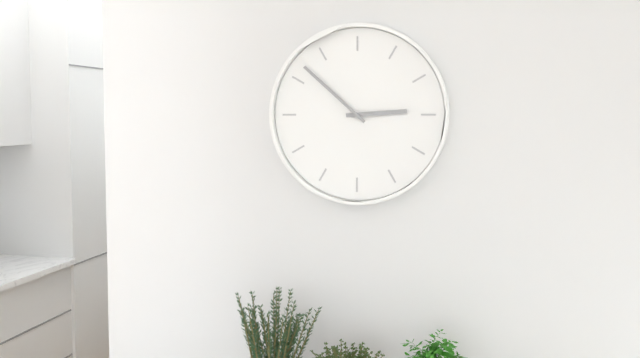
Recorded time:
2,52
